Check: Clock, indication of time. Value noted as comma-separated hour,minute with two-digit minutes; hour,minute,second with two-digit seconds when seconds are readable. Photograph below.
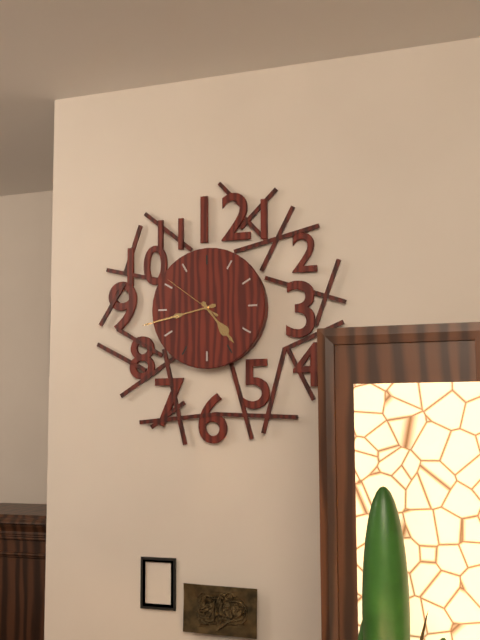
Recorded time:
4,43,51
